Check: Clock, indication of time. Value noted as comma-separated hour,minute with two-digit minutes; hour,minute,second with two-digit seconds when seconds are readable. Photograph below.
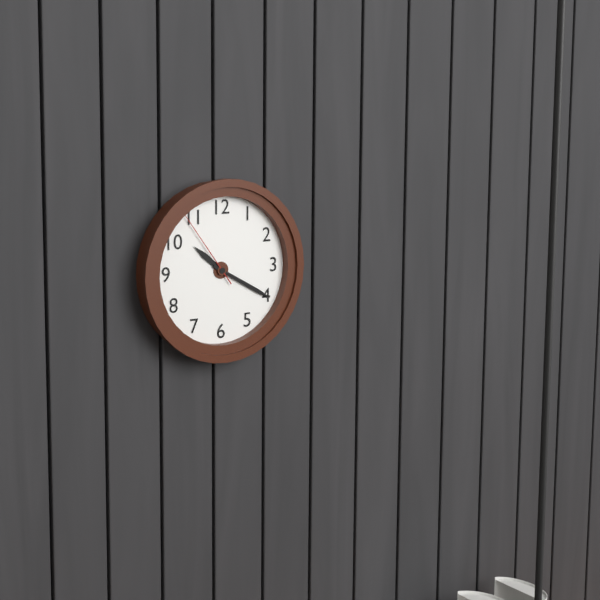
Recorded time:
10,20,54
